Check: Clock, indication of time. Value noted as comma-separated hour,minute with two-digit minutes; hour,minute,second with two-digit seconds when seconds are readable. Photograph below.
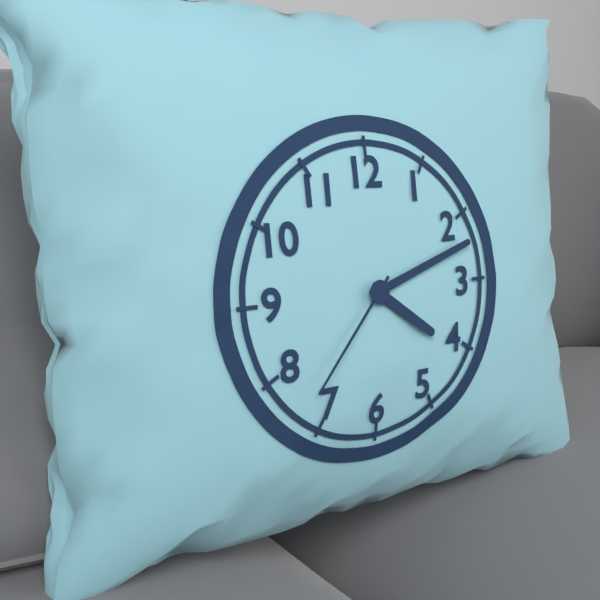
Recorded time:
4,12,37
